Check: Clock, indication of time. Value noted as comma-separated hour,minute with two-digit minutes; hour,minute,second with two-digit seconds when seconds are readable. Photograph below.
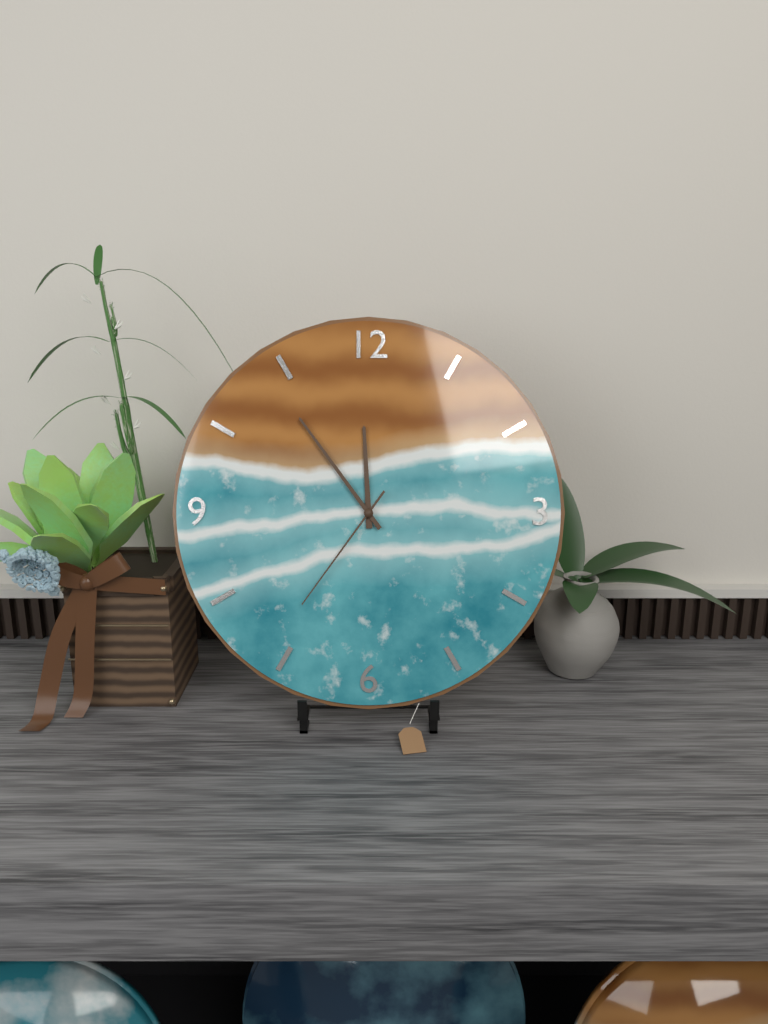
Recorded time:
11,54,36
